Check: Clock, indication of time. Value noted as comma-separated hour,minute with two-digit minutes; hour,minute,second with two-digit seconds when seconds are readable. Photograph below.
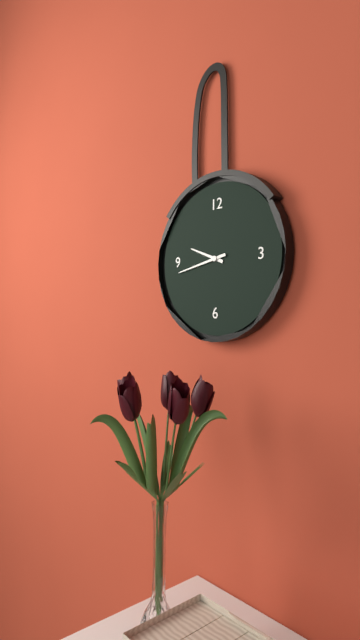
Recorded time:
9,43
